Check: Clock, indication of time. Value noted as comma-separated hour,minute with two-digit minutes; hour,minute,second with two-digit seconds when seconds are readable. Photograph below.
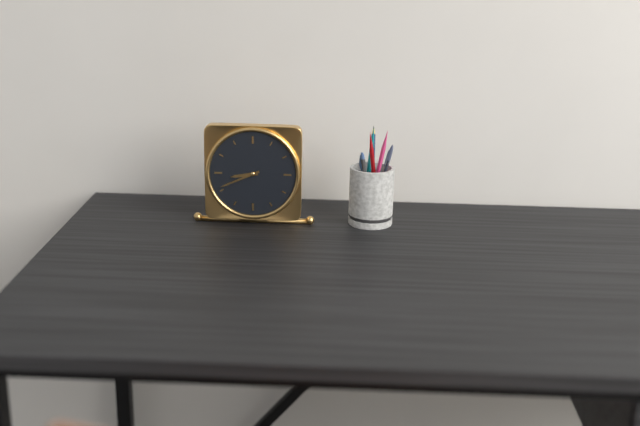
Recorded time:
8,41
